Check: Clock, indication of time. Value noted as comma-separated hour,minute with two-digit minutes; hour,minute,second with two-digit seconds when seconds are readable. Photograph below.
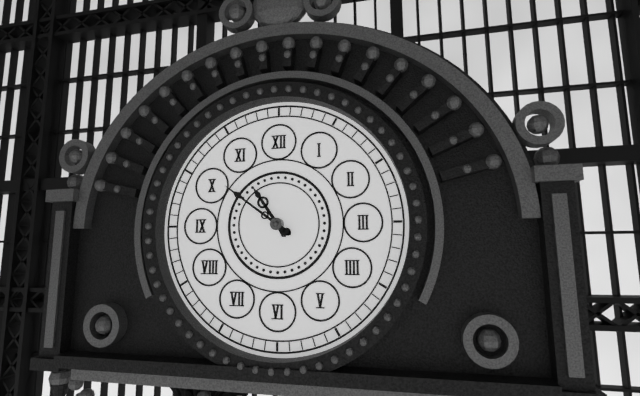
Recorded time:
10,51
